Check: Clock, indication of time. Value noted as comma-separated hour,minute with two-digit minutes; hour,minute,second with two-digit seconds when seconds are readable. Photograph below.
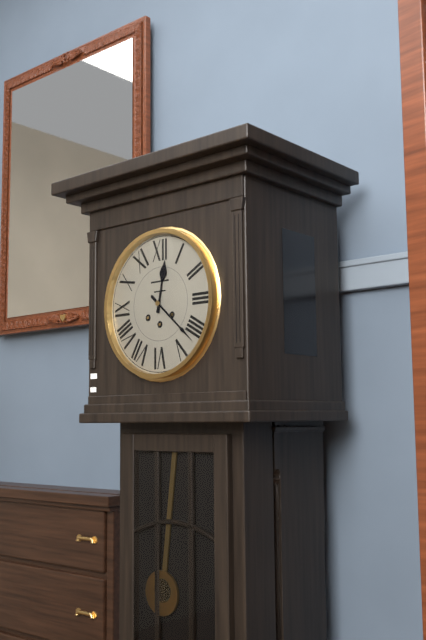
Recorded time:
12,22
